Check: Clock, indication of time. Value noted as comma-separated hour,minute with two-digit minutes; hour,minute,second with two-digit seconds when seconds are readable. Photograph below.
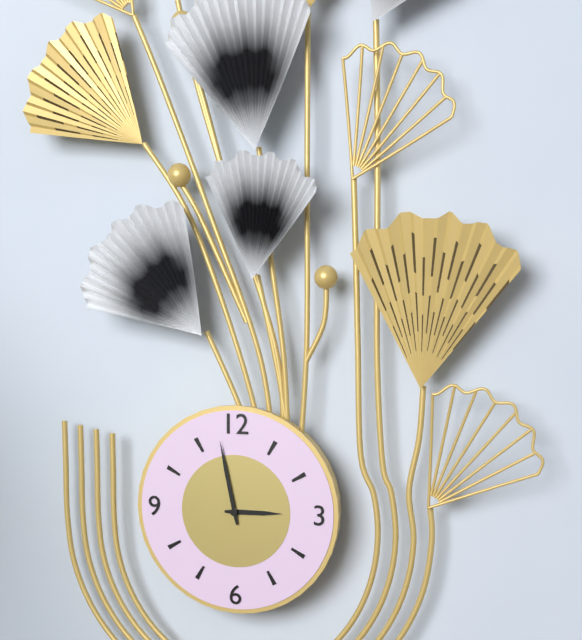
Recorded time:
2,58
